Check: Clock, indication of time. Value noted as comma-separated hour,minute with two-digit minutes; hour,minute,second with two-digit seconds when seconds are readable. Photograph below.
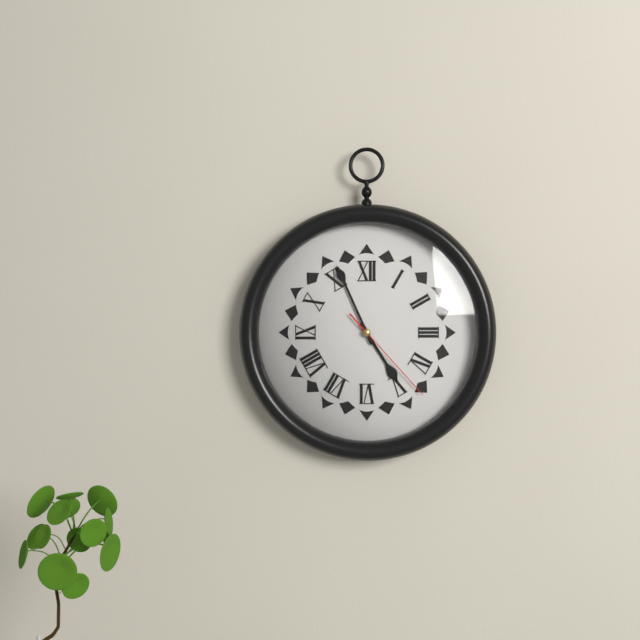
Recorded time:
4,56,23
